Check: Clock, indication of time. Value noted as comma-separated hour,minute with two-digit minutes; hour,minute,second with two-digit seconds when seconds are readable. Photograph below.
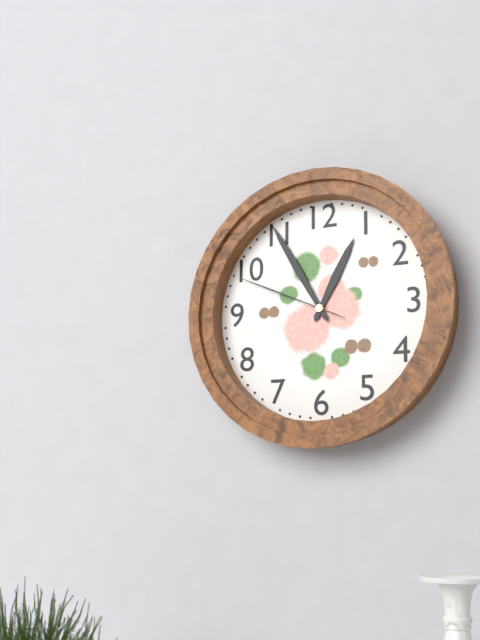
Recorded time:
12,55,49
